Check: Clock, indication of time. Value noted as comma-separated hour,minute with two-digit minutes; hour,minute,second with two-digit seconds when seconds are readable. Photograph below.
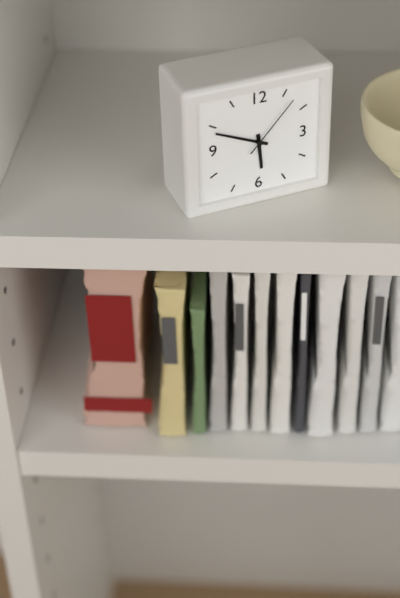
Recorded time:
5,49,07
